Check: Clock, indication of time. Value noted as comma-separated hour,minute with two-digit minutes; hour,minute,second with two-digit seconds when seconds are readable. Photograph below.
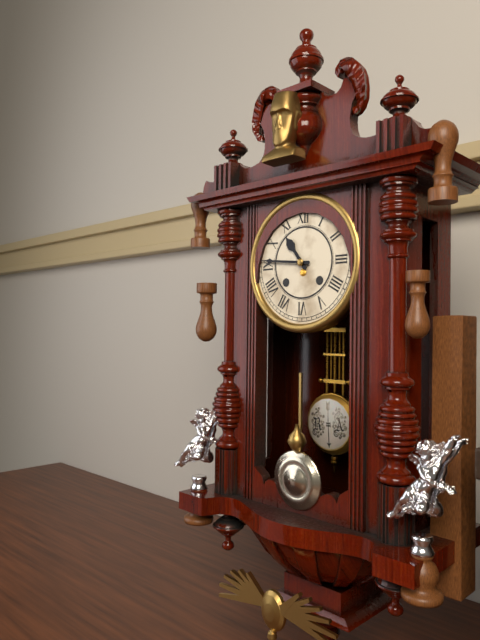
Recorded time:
10,46
